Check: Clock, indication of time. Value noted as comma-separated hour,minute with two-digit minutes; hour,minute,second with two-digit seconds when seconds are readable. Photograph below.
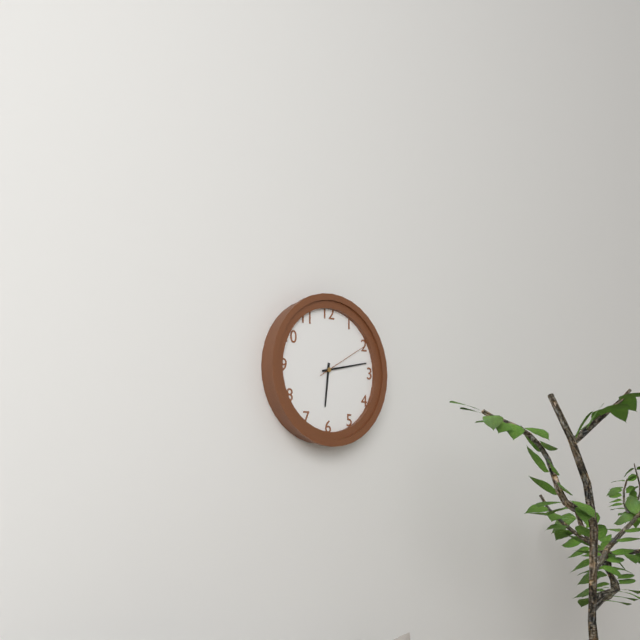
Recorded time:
6,13,10
